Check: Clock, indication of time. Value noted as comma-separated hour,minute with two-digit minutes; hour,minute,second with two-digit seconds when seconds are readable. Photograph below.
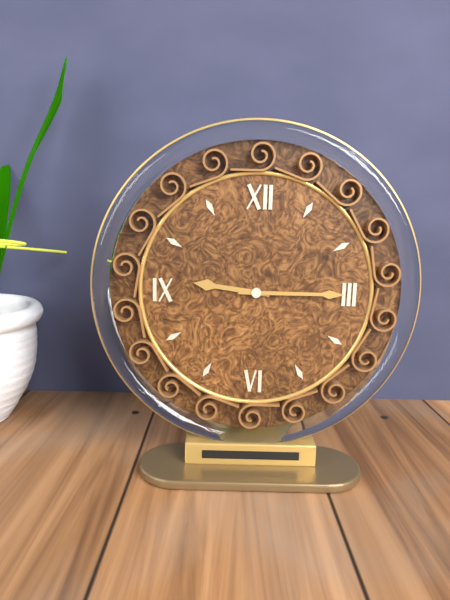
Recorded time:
9,15
